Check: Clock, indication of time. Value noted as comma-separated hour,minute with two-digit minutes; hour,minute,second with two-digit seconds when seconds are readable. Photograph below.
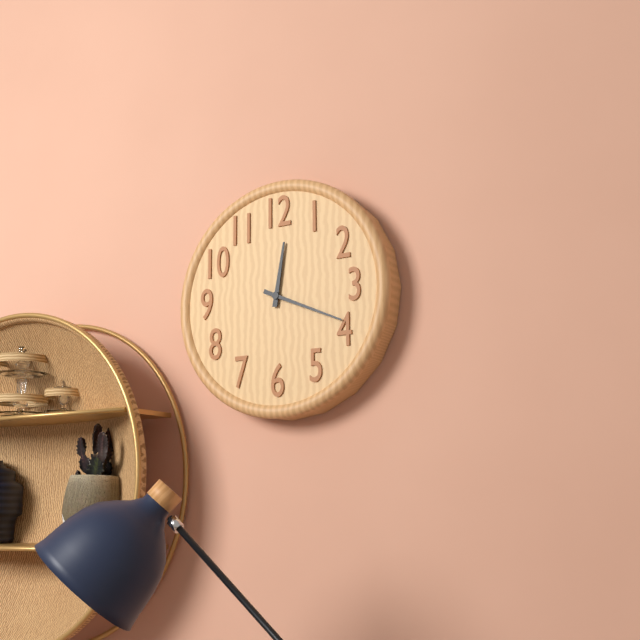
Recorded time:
12,19
